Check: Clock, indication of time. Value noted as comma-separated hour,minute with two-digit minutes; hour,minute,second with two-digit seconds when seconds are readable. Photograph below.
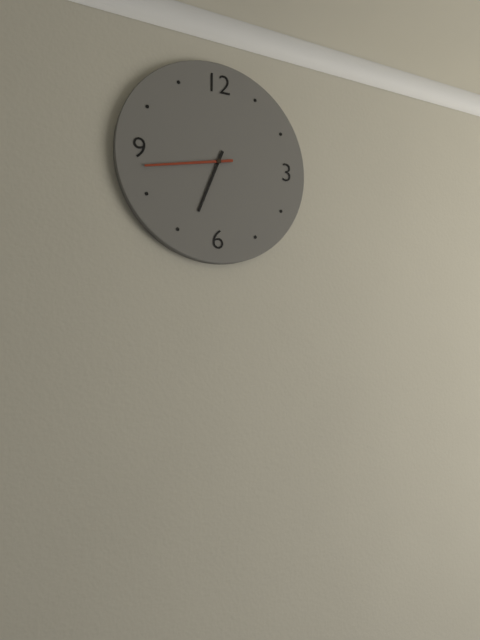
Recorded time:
6,43
